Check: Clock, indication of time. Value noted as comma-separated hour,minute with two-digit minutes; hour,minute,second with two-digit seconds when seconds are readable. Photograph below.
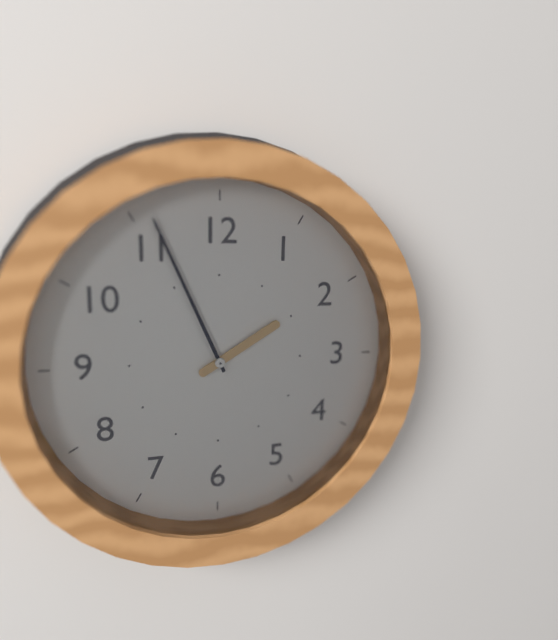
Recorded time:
1,56
